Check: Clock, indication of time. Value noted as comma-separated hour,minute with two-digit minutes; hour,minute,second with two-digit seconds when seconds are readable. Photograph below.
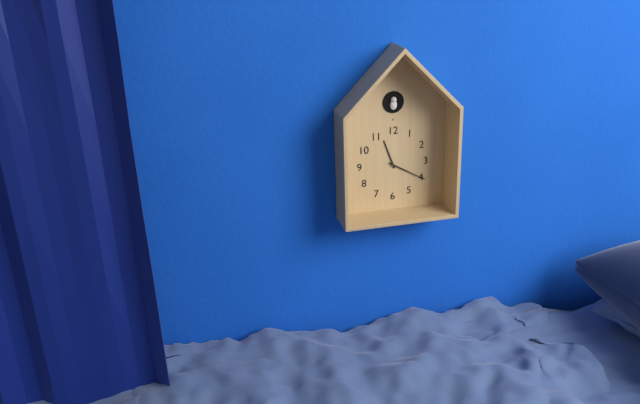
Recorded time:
11,20
